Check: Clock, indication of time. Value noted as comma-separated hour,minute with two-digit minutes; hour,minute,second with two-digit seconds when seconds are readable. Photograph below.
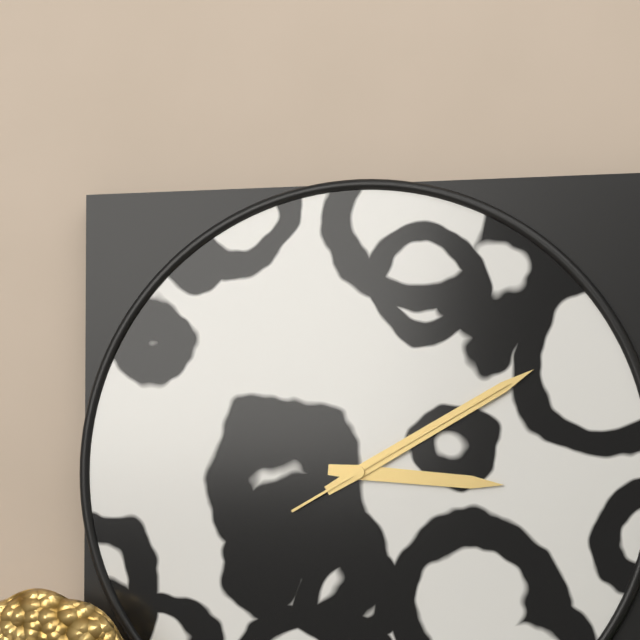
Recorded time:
3,10,10
